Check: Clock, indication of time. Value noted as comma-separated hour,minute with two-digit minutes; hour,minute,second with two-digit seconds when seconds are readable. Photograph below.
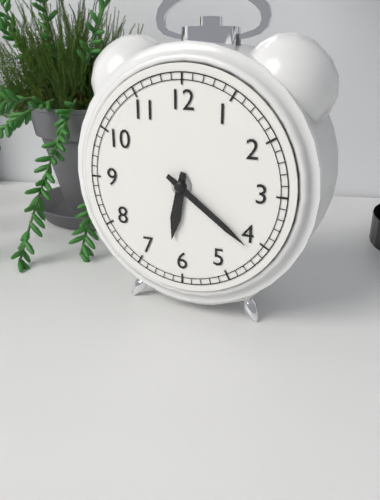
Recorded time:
6,21
